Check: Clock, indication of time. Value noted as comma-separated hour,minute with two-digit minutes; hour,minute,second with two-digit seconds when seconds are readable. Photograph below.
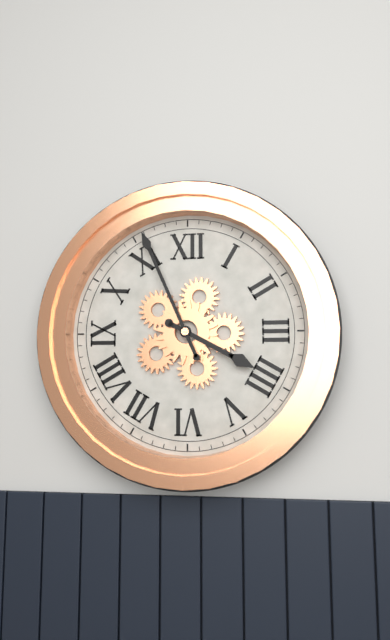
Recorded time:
3,56
